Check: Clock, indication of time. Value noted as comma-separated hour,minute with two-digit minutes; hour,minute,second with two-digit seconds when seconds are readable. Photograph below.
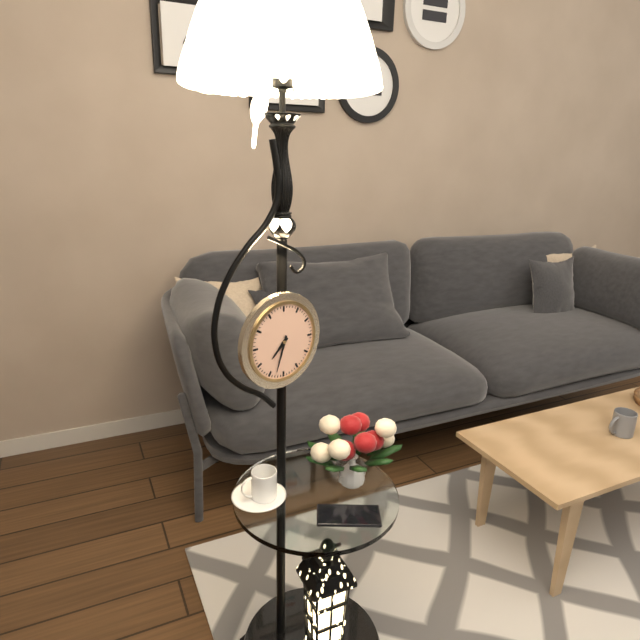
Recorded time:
7,33
